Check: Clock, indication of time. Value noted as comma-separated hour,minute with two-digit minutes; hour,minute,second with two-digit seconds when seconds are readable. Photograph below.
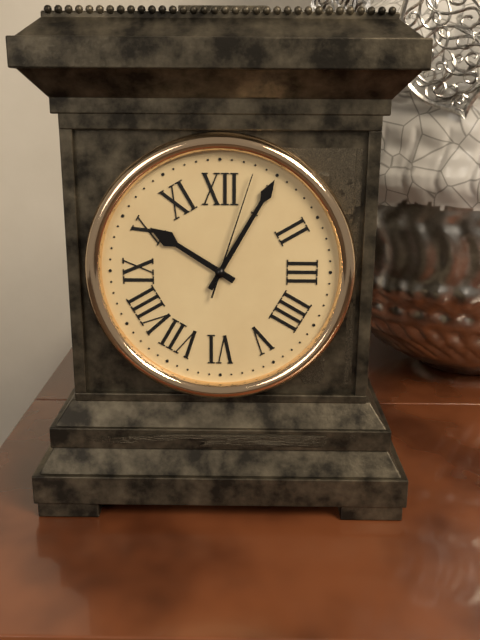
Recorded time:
10,05,03
